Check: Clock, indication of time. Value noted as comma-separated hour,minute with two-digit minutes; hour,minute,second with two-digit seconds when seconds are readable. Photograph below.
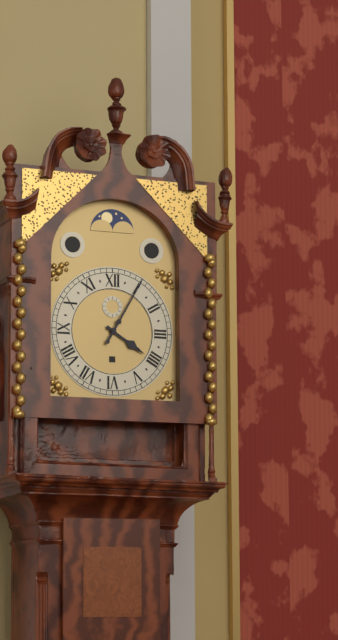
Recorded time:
4,05
